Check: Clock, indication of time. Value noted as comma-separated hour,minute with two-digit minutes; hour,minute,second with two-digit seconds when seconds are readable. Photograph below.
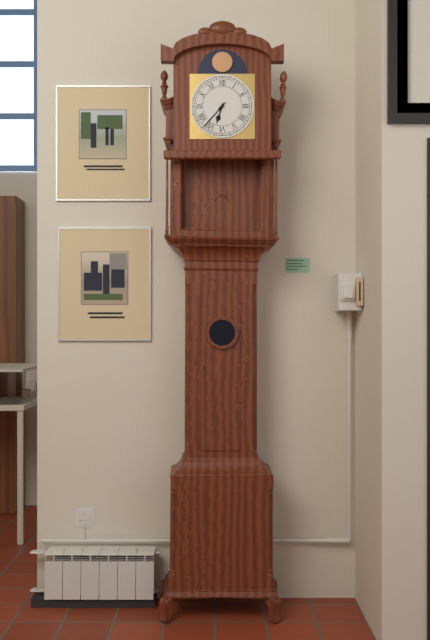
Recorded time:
6,37
